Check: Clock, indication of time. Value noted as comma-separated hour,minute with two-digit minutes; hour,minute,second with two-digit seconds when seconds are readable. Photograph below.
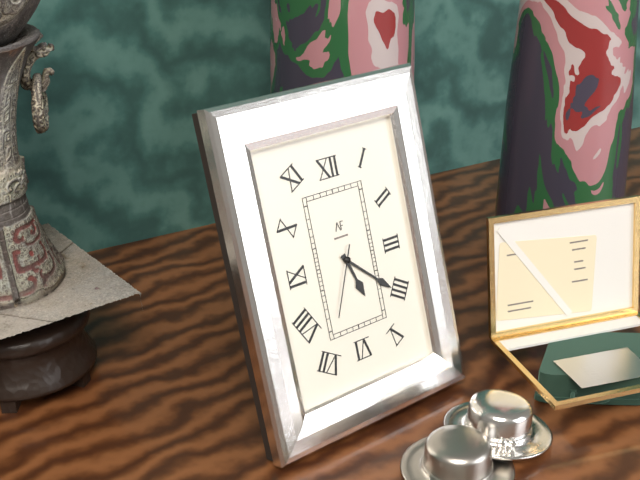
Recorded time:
5,22,34
